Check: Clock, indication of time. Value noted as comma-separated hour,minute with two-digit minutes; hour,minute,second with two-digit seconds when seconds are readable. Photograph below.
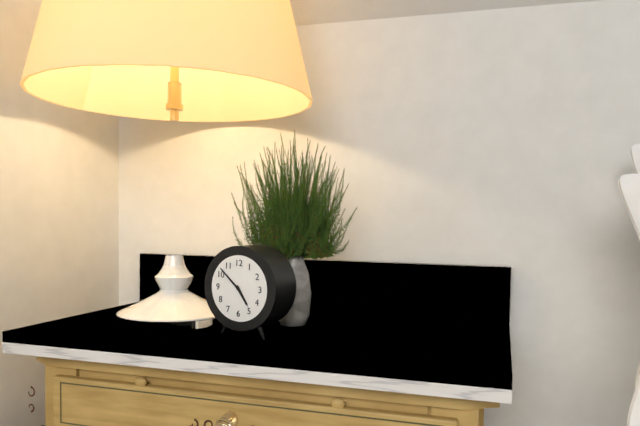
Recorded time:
4,52
